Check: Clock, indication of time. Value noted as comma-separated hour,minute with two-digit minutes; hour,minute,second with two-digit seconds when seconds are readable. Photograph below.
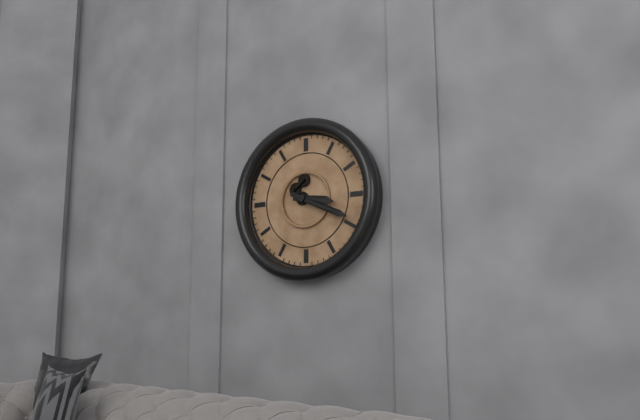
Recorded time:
3,19
